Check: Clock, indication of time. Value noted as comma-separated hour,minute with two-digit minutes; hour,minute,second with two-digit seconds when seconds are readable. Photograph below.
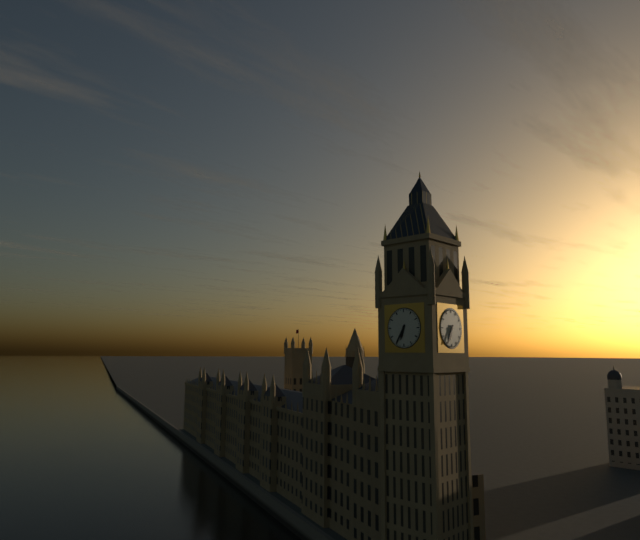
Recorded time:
6,35
